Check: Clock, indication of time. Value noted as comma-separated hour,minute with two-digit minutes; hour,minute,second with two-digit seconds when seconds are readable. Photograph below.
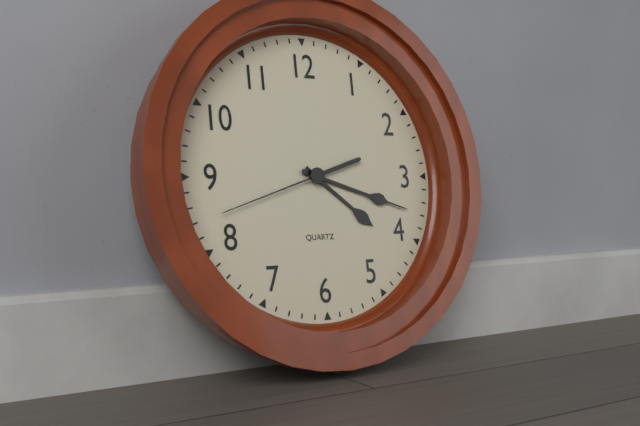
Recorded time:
4,18,42
